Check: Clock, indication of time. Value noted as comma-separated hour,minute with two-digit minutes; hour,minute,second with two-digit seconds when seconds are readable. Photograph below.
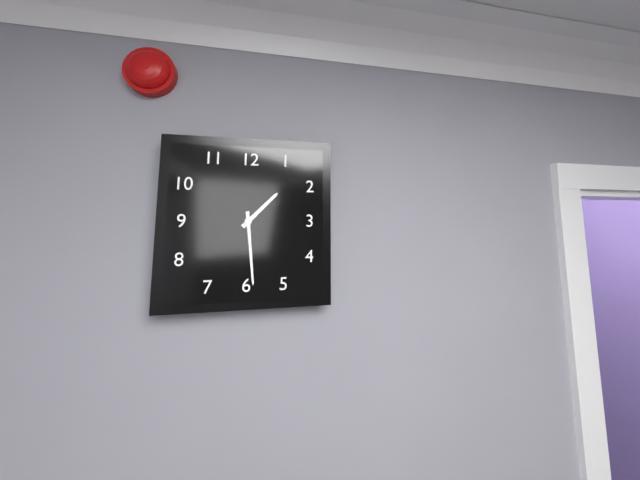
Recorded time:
1,29
